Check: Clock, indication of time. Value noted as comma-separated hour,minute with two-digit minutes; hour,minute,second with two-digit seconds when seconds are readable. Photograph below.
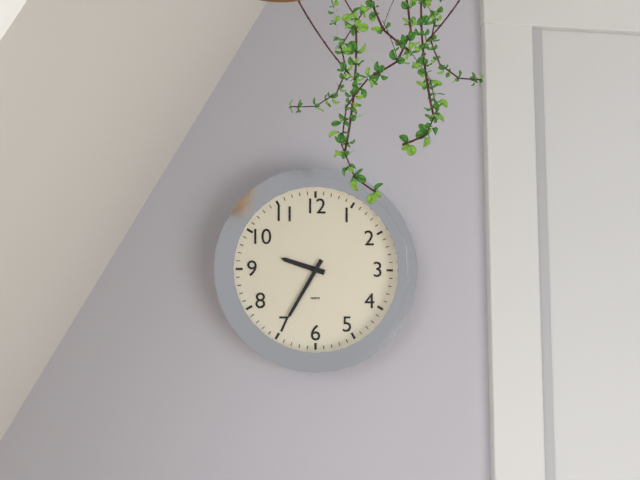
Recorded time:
9,35
